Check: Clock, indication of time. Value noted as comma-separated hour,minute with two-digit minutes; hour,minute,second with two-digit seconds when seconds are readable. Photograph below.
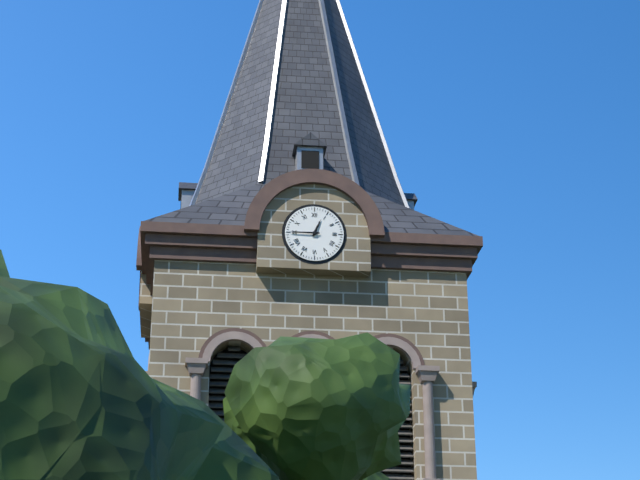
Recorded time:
12,45
